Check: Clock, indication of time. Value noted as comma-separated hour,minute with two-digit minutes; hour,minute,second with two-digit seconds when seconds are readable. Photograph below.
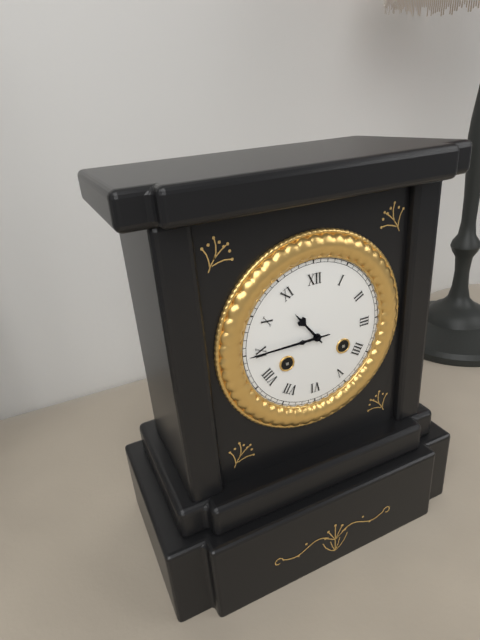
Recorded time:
10,45
